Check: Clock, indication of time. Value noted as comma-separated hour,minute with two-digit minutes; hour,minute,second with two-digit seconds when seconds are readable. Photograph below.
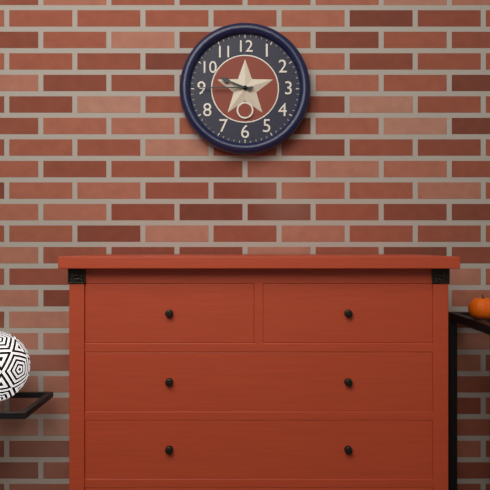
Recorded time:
9,45
